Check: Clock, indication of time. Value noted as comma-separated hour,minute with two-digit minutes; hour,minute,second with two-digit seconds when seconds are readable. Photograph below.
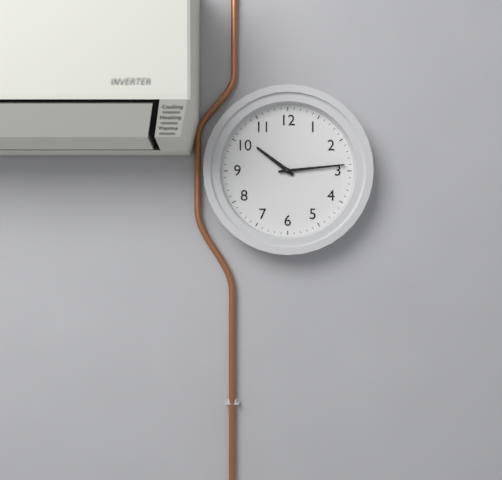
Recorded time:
10,14
